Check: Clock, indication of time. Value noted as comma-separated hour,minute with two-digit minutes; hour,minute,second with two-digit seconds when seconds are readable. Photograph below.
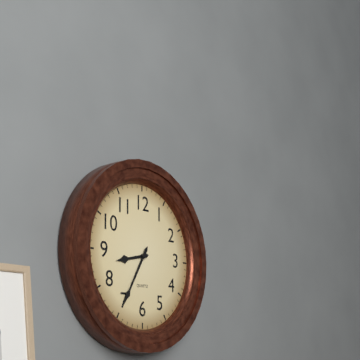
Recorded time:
8,35
